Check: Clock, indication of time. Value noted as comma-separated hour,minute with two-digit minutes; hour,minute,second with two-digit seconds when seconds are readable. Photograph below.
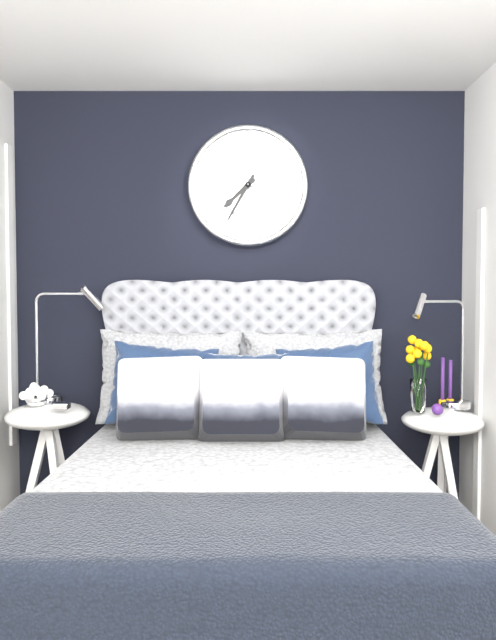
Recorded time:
7,35
